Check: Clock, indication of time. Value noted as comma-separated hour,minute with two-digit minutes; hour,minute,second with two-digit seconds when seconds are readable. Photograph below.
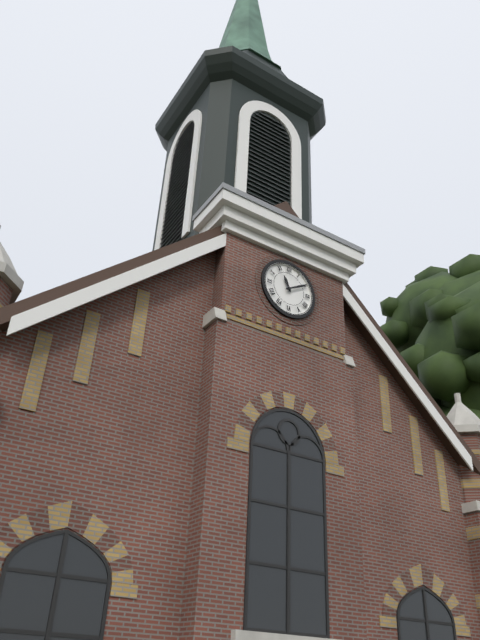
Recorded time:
11,10
